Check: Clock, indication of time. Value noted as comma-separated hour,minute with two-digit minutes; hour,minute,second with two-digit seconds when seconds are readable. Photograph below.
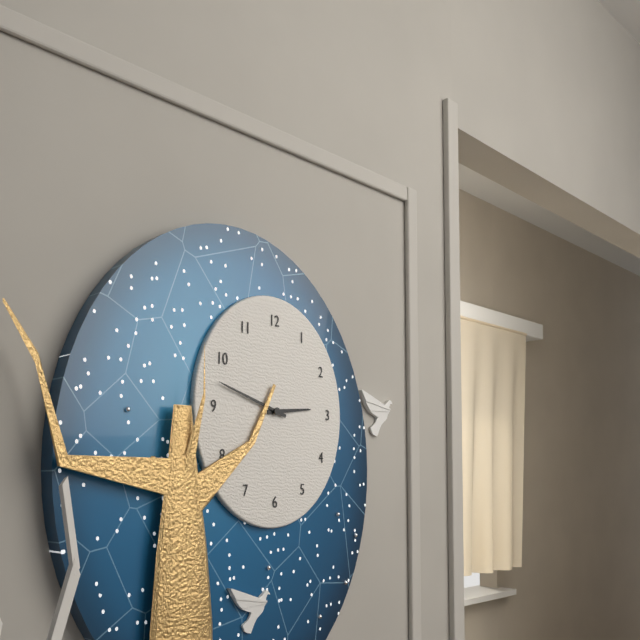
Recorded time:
2,48
